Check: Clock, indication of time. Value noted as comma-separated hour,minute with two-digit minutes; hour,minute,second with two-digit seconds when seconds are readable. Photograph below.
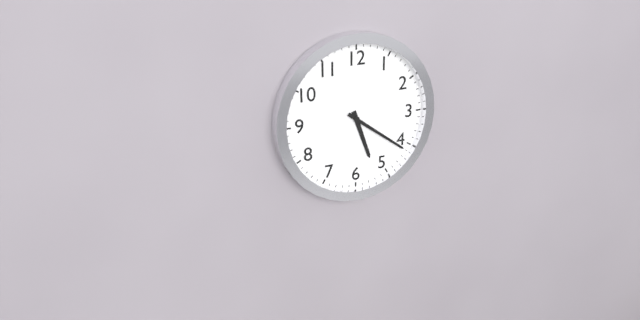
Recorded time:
5,21
